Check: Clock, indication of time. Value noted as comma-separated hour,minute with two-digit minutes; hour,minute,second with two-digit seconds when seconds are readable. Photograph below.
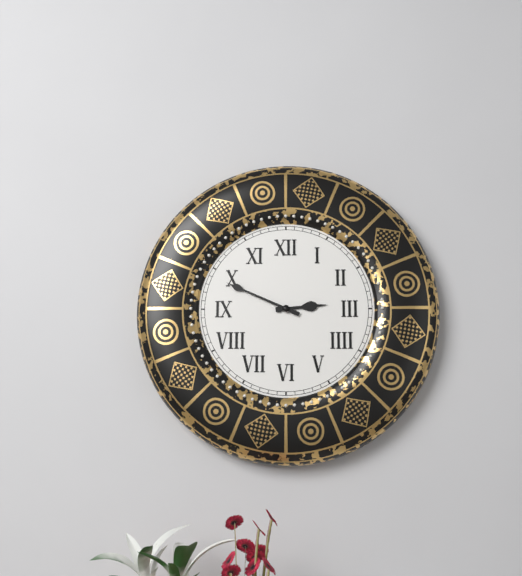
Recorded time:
2,49
